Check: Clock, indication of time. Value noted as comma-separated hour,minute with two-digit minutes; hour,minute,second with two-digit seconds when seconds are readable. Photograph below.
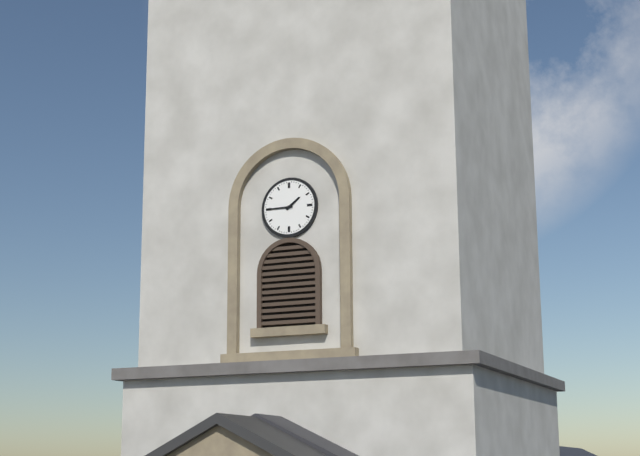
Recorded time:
1,45
